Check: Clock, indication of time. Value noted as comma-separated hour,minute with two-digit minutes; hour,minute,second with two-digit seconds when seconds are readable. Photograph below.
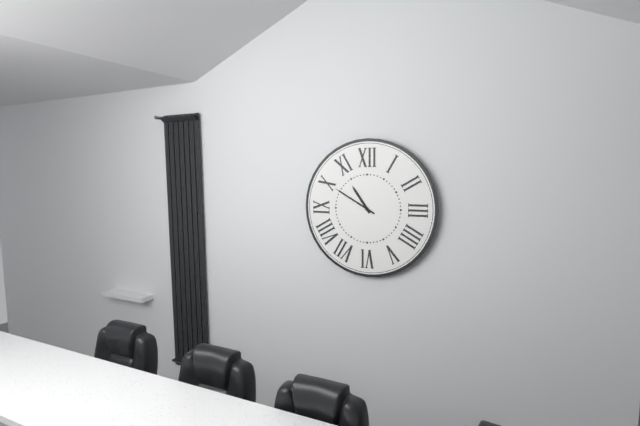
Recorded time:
10,50
